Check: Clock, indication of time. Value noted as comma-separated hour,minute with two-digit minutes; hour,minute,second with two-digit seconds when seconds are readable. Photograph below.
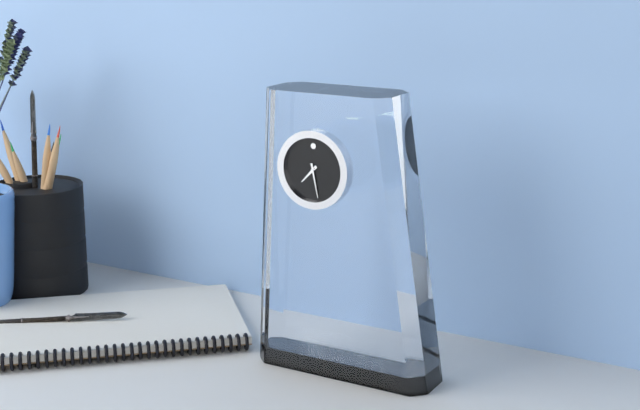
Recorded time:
7,28
